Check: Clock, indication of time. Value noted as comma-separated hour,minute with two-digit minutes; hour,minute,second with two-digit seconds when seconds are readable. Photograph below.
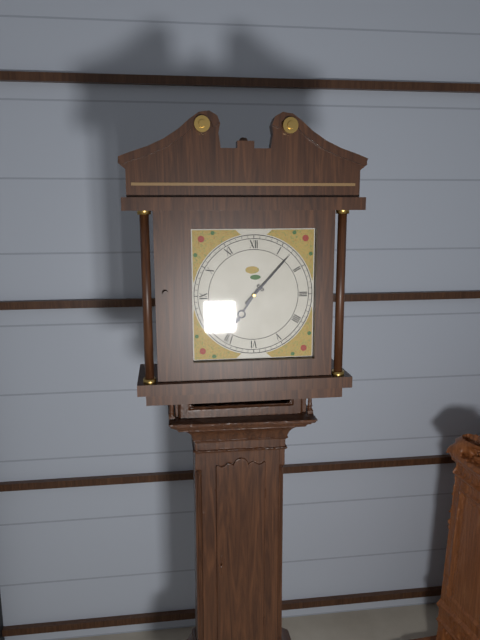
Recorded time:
7,07
